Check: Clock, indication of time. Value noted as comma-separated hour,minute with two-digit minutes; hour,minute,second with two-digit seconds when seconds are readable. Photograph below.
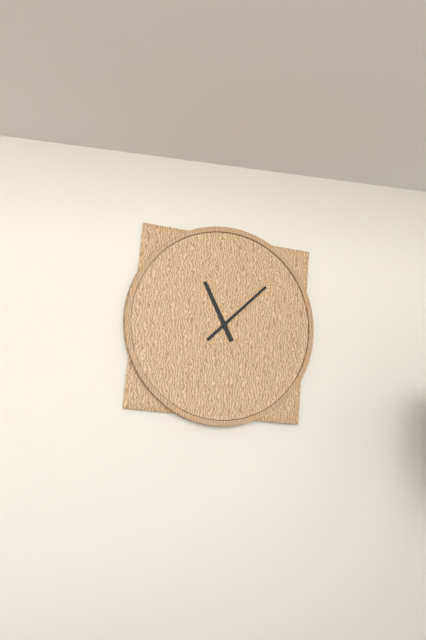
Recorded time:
11,08
